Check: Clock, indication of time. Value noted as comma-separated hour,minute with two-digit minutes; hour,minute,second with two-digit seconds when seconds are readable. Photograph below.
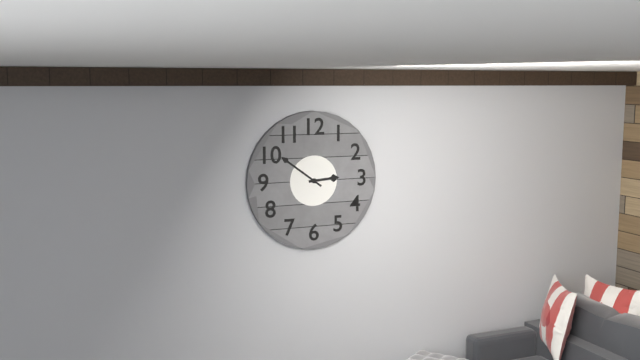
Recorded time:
2,51
